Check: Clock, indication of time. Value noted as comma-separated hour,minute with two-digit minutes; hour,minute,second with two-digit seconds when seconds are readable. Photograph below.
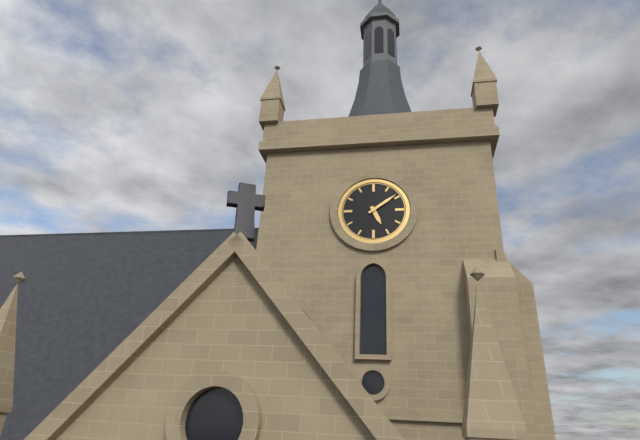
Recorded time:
5,09
